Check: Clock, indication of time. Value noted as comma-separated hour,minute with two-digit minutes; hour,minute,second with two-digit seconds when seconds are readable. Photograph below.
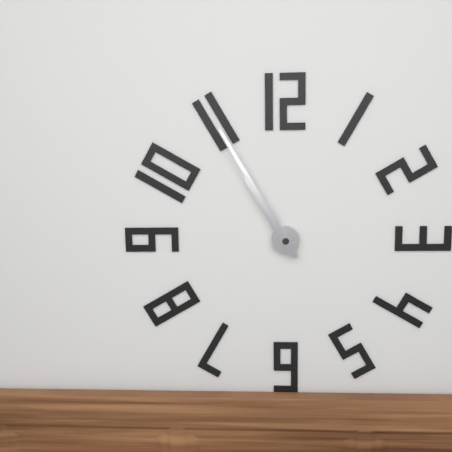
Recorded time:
10,55
